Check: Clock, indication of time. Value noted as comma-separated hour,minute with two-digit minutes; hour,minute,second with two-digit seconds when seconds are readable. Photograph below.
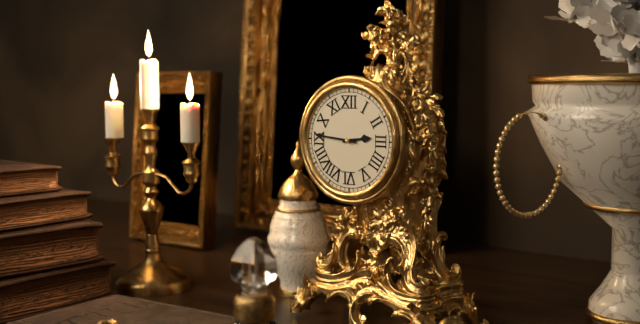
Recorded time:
2,46
